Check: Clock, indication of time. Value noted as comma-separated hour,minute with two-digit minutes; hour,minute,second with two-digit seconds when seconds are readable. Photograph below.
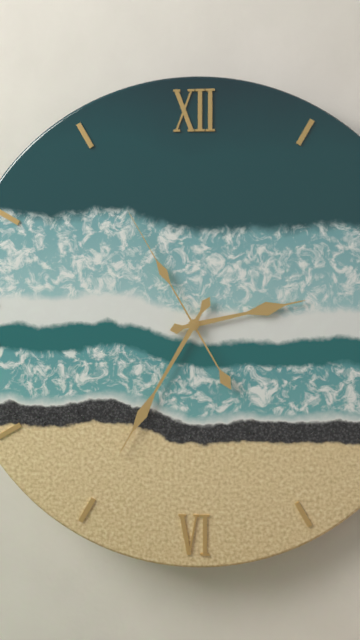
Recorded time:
2,35,55
